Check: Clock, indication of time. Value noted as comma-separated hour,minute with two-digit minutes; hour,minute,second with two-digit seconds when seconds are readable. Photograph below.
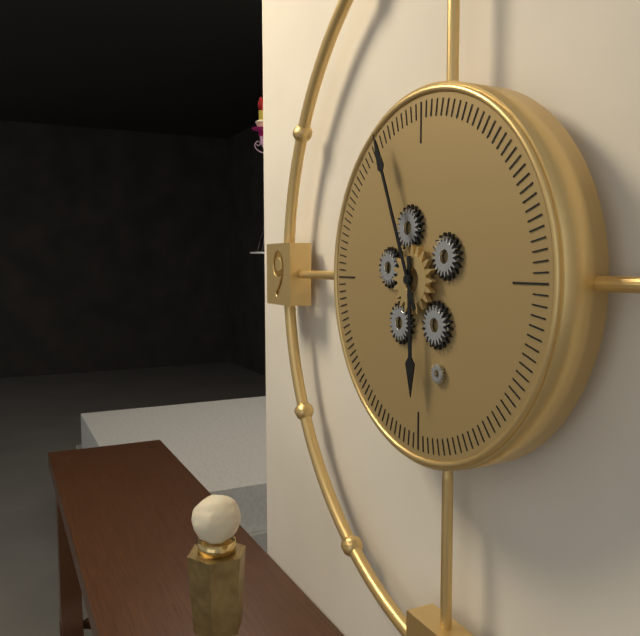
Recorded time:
5,56
